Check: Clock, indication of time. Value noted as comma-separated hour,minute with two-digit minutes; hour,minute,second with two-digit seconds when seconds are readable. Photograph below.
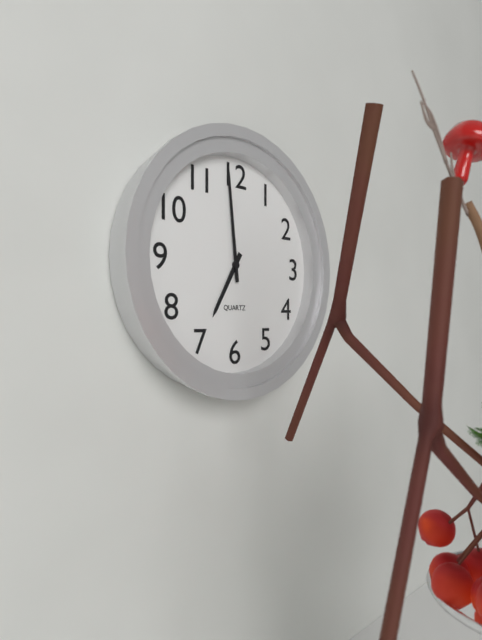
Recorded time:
6,59
